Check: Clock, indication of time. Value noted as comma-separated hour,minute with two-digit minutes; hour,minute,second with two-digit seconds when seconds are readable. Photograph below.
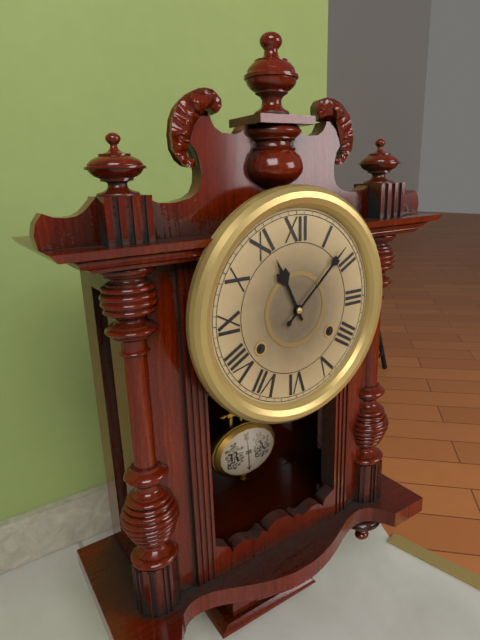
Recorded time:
11,08
